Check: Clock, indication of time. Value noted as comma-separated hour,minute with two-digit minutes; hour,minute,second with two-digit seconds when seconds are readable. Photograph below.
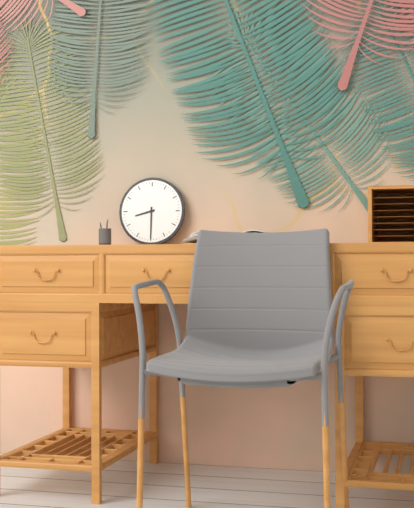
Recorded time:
8,30
